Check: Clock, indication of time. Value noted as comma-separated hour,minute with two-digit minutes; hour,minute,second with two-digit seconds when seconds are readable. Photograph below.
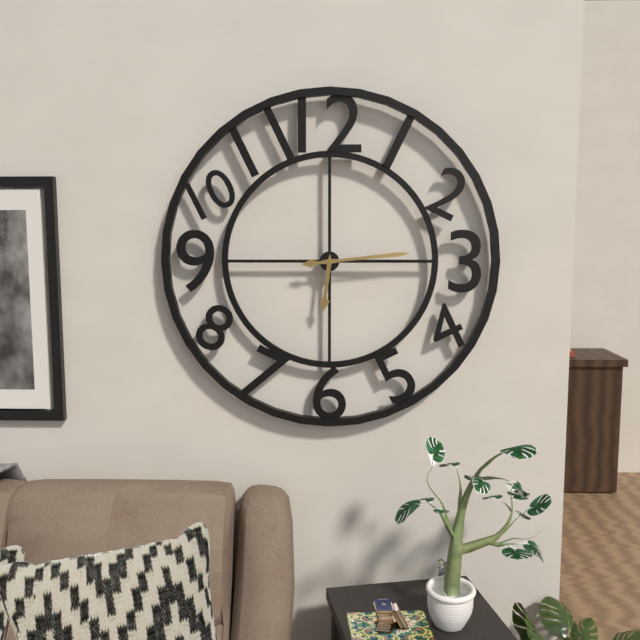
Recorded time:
6,14
